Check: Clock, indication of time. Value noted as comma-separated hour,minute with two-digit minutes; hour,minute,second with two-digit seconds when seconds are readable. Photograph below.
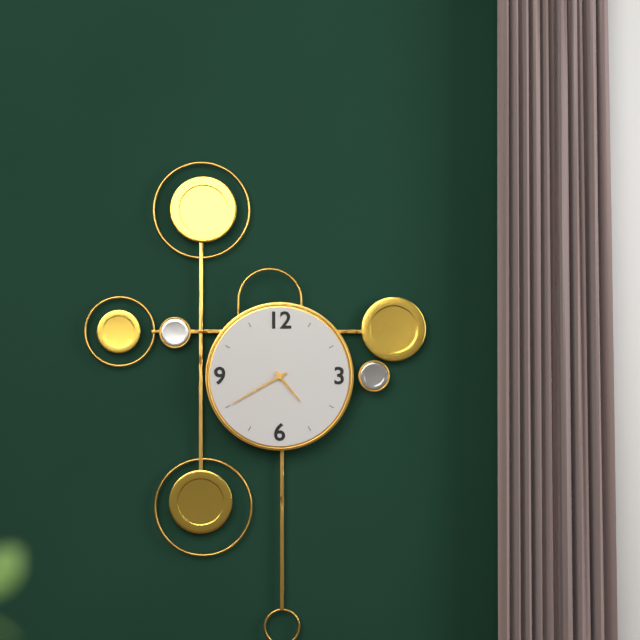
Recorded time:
4,40
